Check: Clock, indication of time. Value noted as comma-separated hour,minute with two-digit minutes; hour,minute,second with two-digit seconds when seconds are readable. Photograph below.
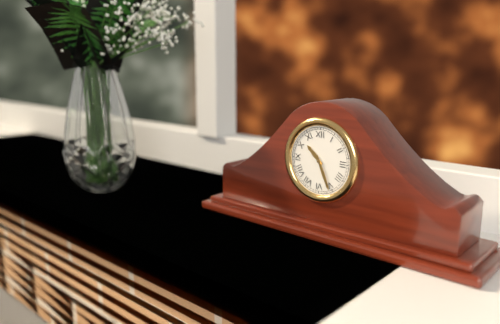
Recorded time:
10,26
